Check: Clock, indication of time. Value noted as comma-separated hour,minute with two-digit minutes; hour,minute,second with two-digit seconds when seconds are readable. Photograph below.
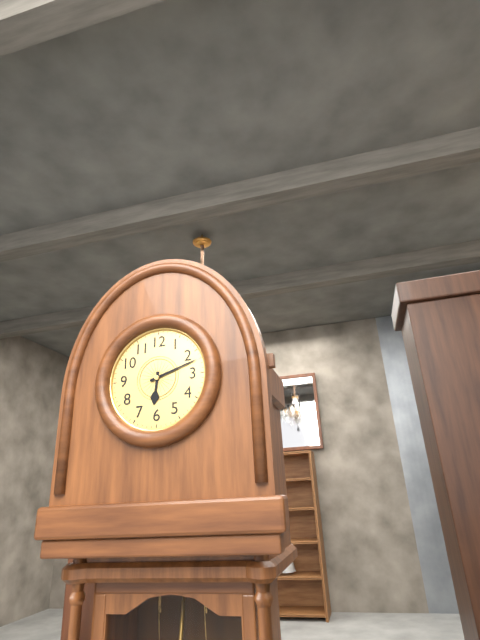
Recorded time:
6,12
